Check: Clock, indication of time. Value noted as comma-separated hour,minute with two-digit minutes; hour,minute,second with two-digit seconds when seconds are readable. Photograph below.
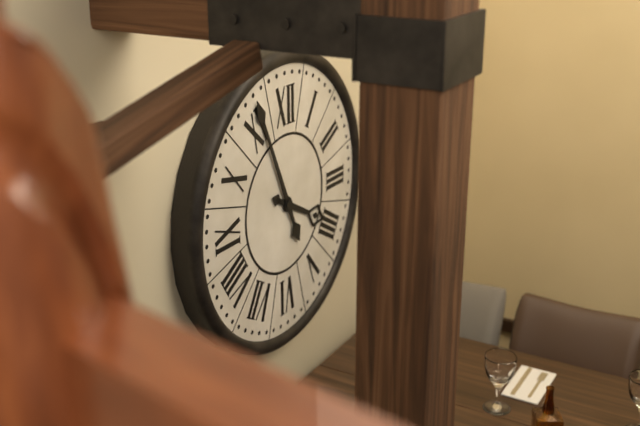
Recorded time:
3,56
